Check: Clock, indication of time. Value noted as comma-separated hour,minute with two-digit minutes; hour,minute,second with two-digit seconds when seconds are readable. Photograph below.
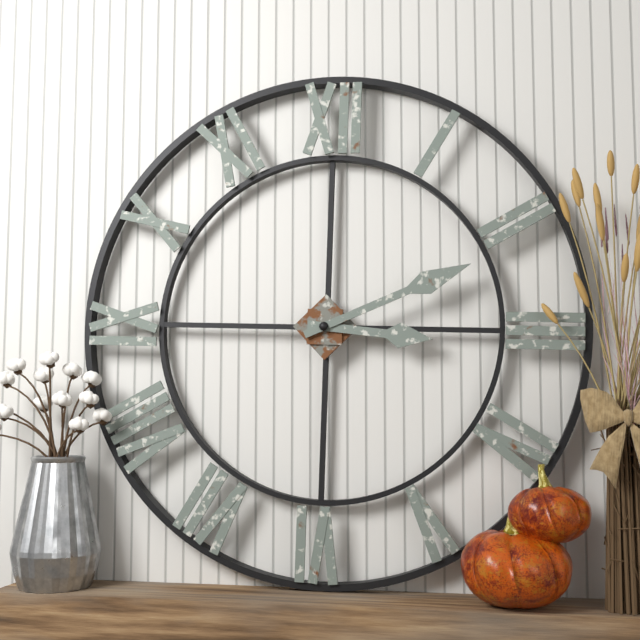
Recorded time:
3,11
